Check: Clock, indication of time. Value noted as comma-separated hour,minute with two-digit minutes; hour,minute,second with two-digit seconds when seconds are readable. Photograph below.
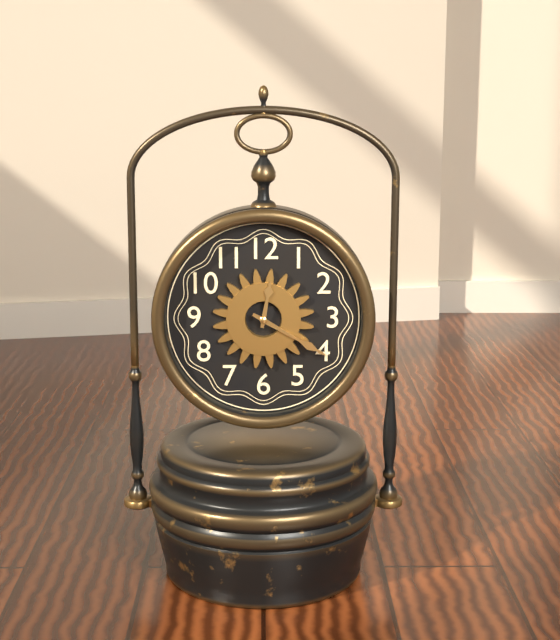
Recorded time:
12,20
